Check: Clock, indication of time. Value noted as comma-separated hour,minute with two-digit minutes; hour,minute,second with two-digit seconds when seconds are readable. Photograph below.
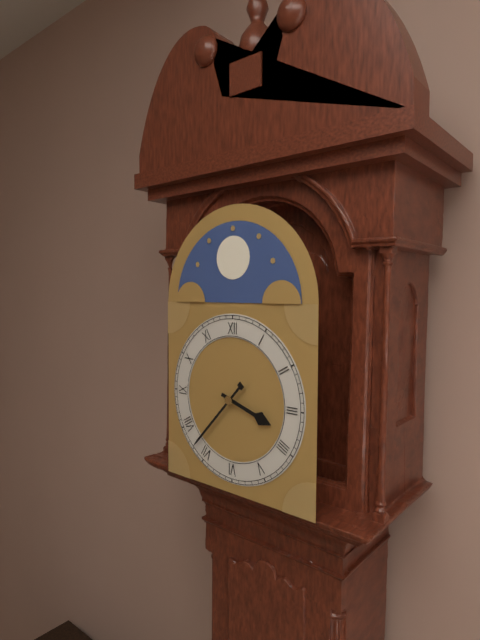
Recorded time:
3,37
